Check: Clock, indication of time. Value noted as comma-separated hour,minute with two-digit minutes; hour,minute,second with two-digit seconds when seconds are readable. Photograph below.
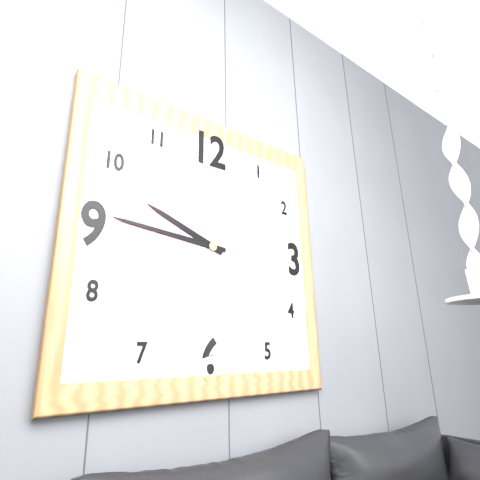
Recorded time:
9,46
